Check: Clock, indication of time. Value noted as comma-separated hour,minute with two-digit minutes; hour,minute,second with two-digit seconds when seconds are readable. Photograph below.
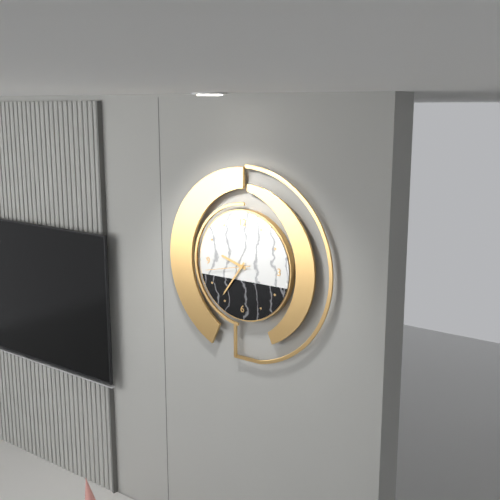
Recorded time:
9,36,43
